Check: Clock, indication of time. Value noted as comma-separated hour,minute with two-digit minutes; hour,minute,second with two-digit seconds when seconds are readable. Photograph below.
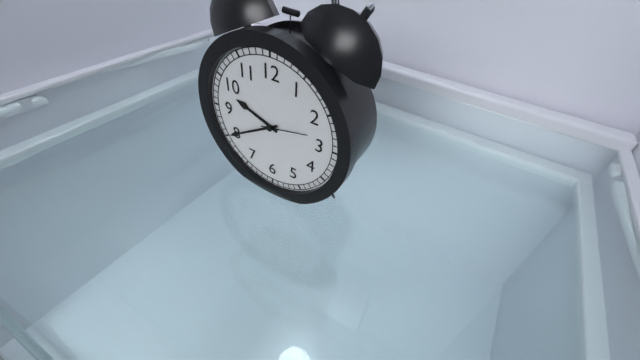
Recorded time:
9,40
